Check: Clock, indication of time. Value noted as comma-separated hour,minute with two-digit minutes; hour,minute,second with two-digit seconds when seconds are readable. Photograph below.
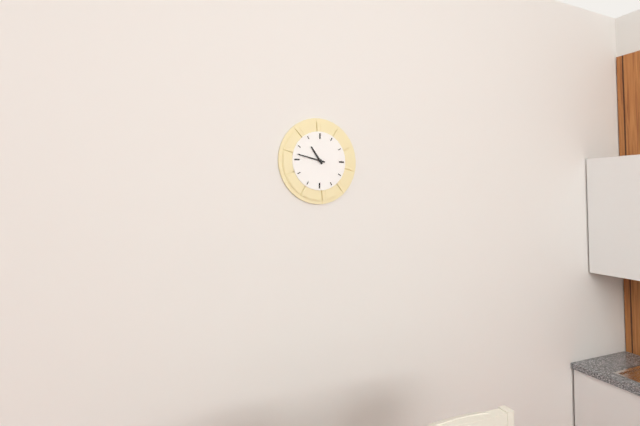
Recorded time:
10,47
